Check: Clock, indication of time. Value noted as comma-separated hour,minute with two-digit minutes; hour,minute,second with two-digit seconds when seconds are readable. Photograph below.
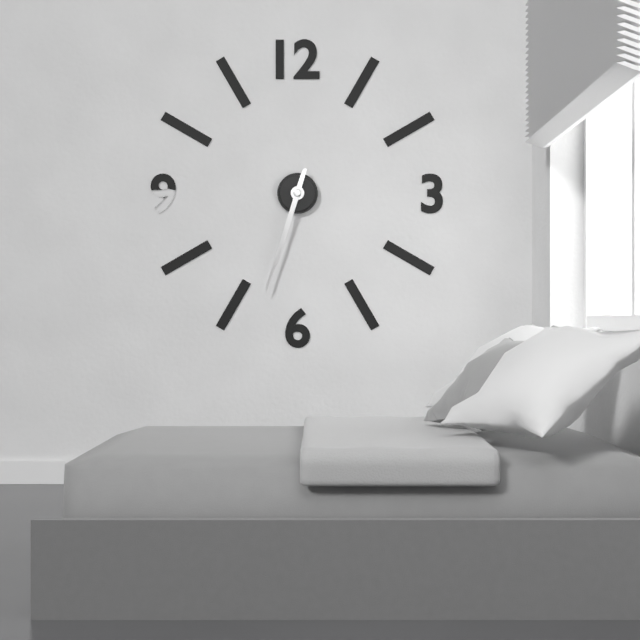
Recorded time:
6,33
